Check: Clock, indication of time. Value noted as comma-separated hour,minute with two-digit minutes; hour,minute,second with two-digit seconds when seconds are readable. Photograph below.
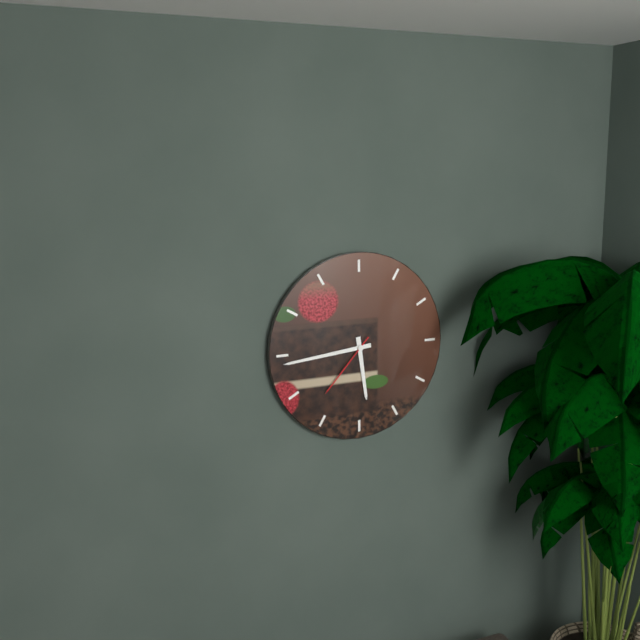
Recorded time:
5,44,37
